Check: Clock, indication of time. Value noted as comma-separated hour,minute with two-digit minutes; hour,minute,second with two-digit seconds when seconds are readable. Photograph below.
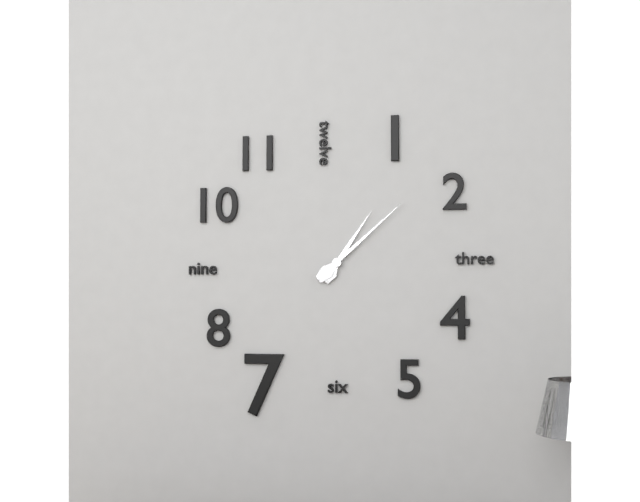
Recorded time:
1,08
